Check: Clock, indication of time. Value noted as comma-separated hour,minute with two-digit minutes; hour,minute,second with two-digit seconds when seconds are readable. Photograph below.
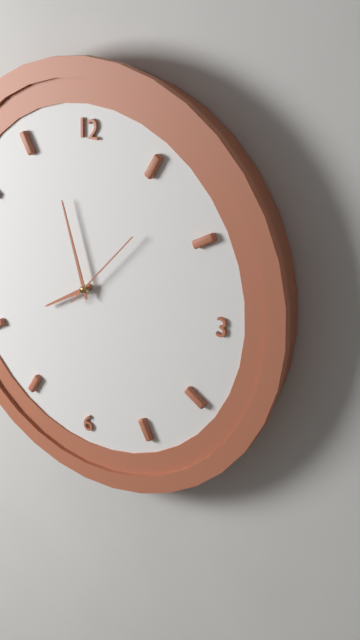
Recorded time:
7,57,07
